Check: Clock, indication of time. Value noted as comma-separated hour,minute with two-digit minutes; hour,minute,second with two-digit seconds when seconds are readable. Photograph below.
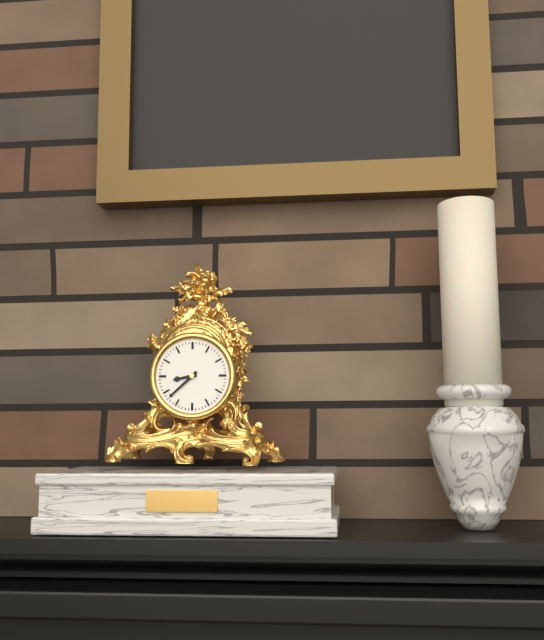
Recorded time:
8,38
